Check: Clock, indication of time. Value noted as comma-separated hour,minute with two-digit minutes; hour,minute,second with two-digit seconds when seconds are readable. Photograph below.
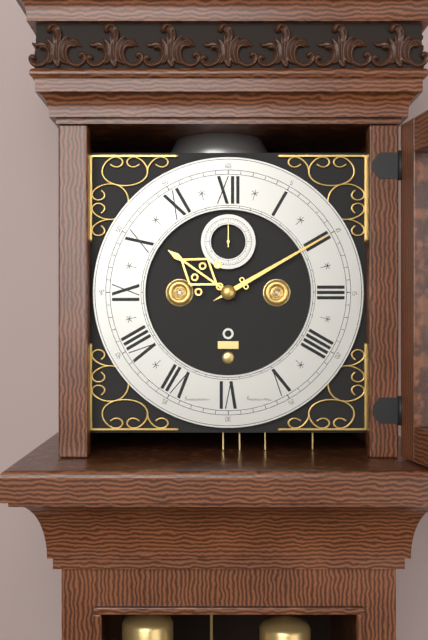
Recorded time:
10,10
